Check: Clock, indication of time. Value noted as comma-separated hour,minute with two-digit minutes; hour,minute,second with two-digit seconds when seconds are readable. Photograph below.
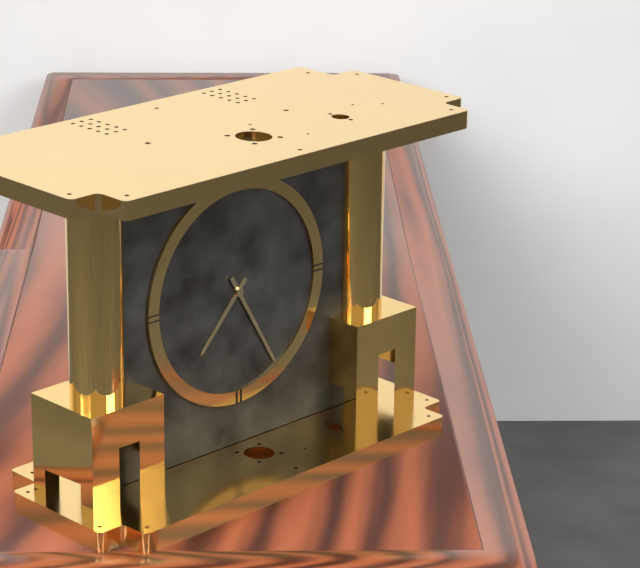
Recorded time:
7,25
